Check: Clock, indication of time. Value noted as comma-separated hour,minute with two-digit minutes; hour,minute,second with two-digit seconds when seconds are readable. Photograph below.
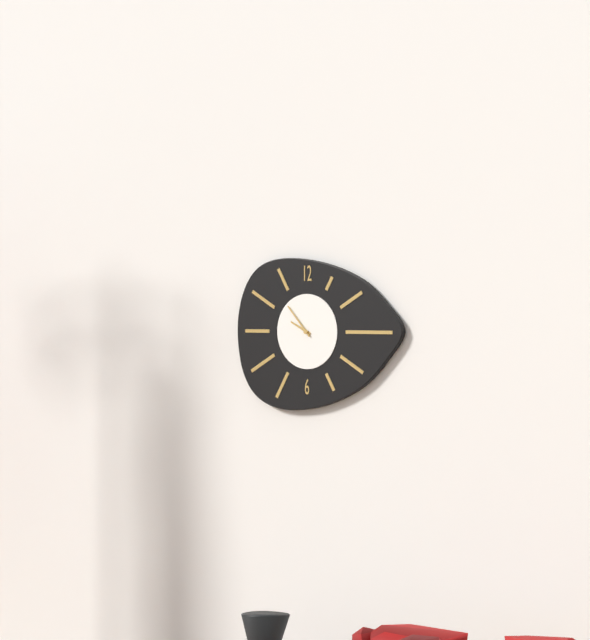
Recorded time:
9,53
